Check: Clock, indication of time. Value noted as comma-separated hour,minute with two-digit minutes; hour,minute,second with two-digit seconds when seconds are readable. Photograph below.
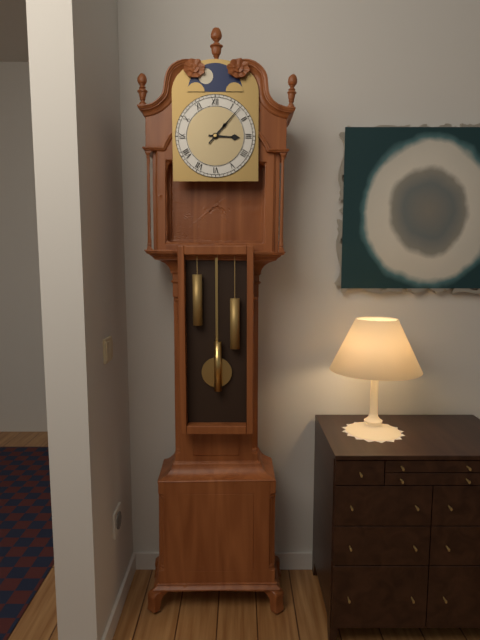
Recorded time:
3,07
